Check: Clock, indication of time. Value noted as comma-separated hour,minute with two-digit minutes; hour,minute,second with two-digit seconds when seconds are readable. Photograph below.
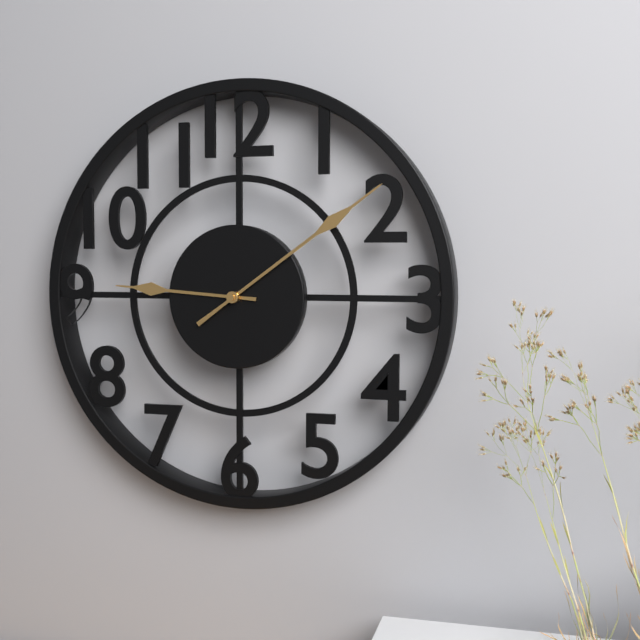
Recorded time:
9,09
